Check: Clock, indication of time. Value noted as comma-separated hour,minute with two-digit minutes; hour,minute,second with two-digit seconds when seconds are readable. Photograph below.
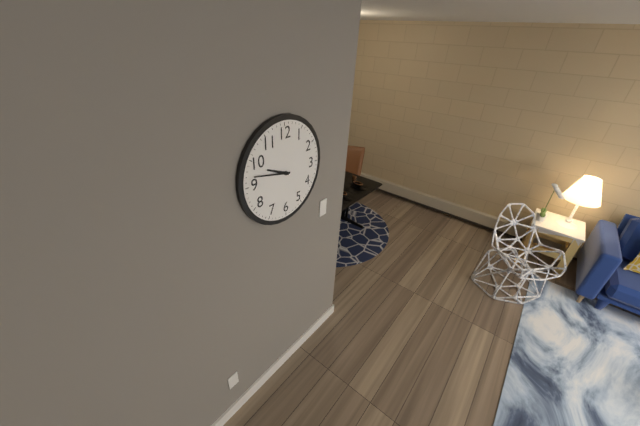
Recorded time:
9,47
